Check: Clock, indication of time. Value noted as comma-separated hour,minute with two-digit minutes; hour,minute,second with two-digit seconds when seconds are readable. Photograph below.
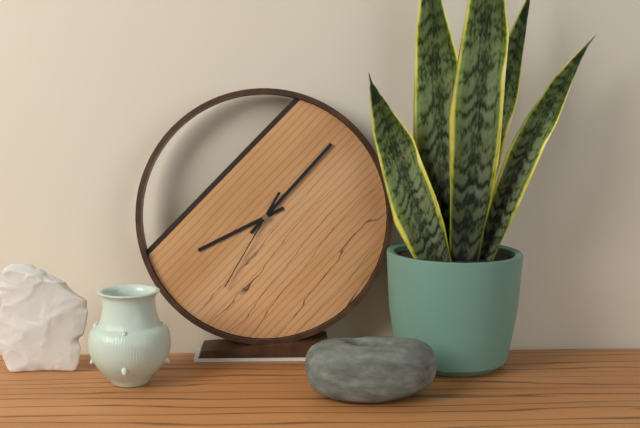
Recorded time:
8,07,35
